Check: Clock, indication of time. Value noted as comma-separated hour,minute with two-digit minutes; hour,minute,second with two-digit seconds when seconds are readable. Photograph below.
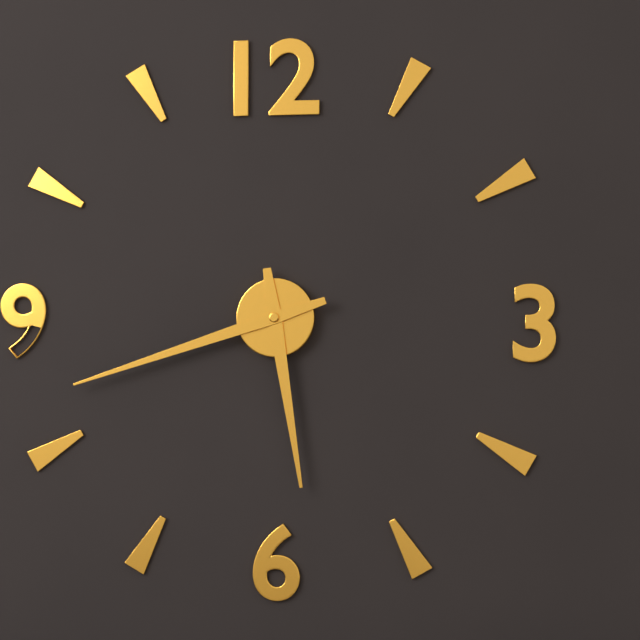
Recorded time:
5,42
